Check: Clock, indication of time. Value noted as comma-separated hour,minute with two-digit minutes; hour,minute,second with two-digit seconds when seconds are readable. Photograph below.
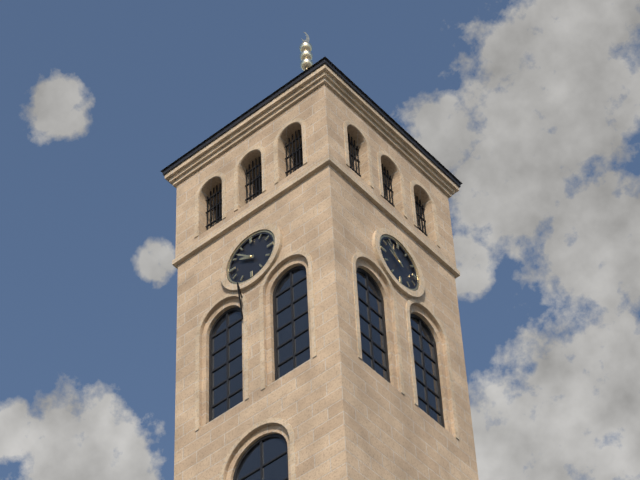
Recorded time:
9,52
